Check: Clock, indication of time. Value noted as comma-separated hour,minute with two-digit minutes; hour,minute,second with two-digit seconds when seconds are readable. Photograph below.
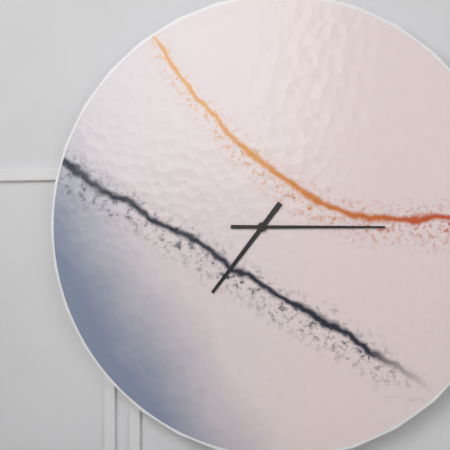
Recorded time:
7,15
